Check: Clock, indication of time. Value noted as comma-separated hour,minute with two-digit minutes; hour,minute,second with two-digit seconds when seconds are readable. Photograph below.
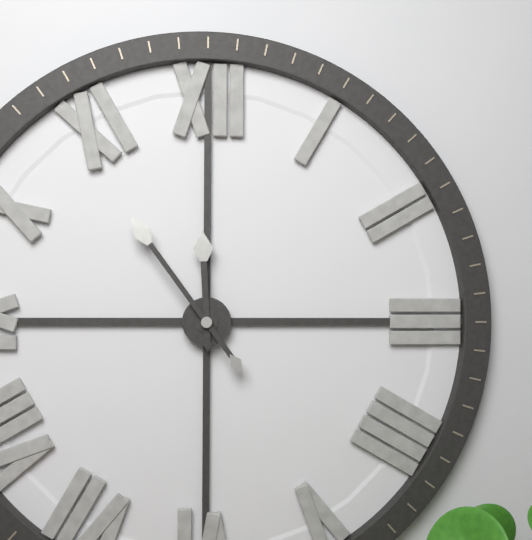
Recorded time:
11,54
